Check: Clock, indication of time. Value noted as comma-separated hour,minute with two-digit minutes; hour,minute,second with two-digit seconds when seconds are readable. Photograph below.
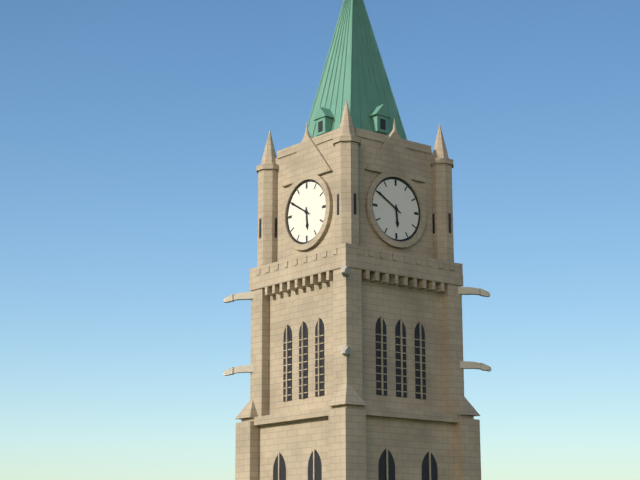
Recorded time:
5,50
